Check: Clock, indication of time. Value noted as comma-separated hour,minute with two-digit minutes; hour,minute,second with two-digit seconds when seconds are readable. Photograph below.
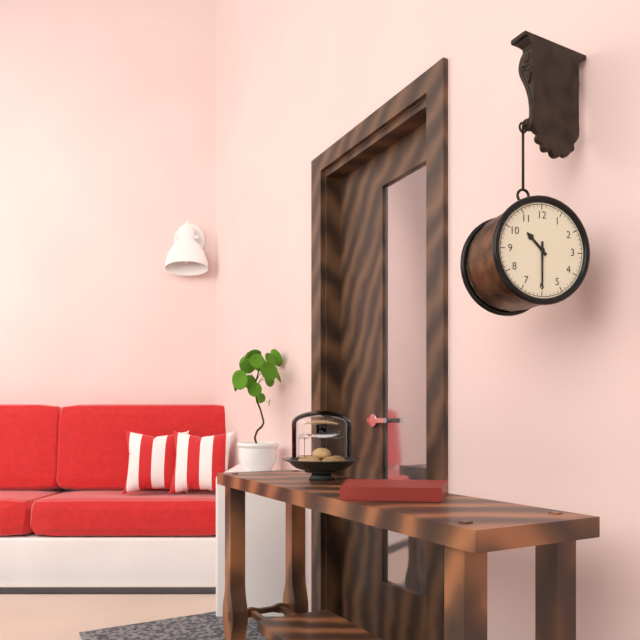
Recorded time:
10,30
